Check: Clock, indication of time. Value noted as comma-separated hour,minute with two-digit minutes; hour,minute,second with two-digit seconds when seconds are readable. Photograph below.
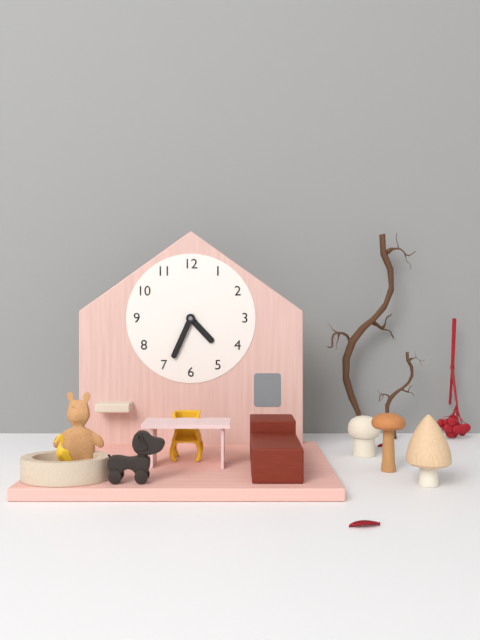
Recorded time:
4,34
